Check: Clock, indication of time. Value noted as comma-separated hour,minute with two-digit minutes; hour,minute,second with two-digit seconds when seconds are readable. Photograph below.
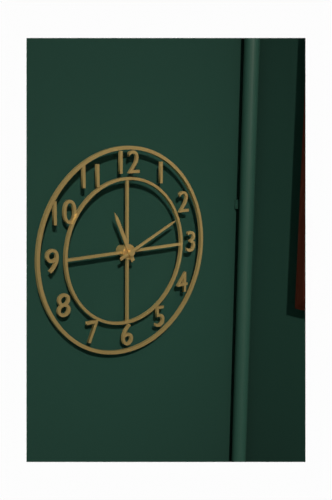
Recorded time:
11,11
